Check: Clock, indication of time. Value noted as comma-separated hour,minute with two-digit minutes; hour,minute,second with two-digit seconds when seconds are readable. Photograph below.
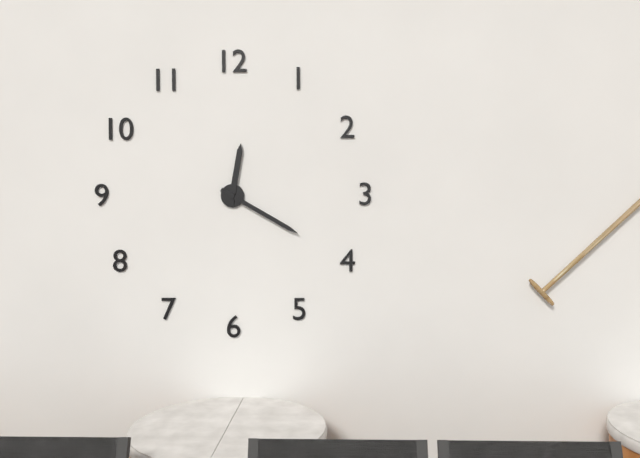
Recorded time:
12,20
